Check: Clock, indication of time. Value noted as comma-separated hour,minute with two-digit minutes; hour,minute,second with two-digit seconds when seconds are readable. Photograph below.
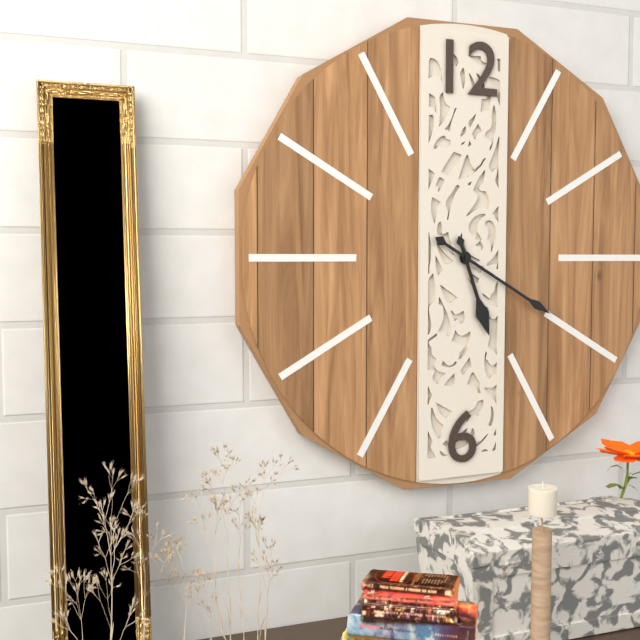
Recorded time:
5,20
